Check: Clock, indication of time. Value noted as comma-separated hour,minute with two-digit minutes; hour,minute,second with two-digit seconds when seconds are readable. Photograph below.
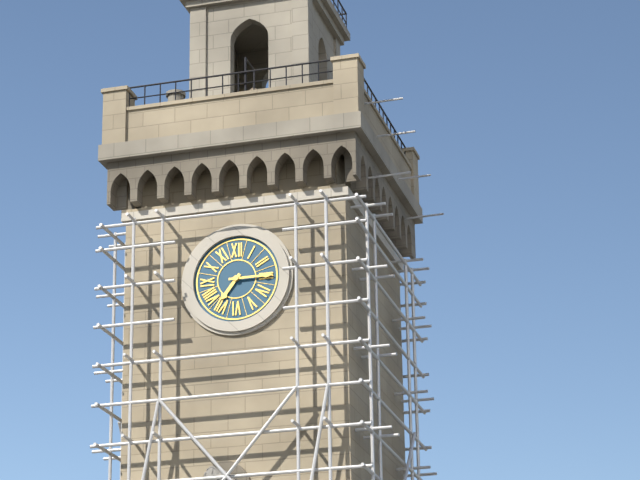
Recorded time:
7,15
